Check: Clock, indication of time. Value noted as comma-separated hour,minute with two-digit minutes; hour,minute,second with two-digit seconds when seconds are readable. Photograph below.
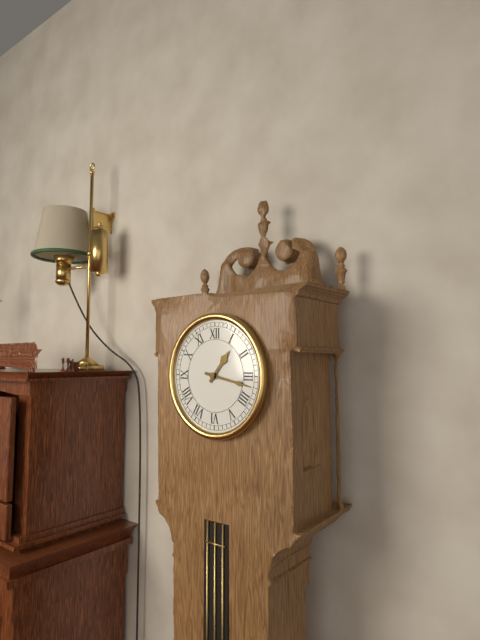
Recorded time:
1,17
